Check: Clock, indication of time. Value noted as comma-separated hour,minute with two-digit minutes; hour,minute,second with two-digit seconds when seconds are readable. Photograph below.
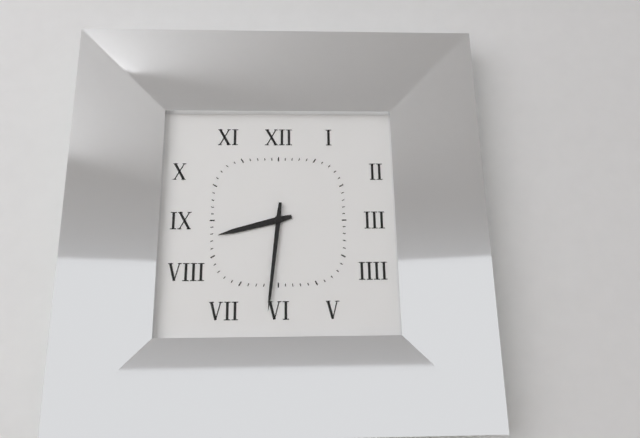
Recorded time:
8,31
